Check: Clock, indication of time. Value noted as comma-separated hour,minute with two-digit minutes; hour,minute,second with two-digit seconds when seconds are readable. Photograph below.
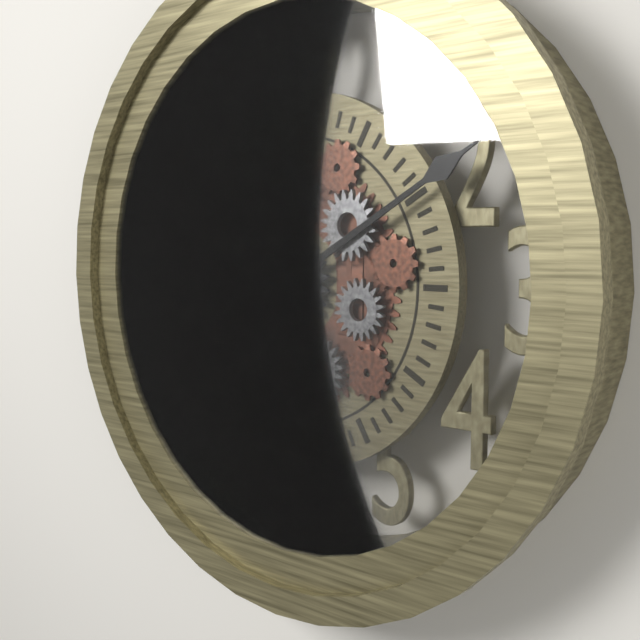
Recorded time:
10,10
